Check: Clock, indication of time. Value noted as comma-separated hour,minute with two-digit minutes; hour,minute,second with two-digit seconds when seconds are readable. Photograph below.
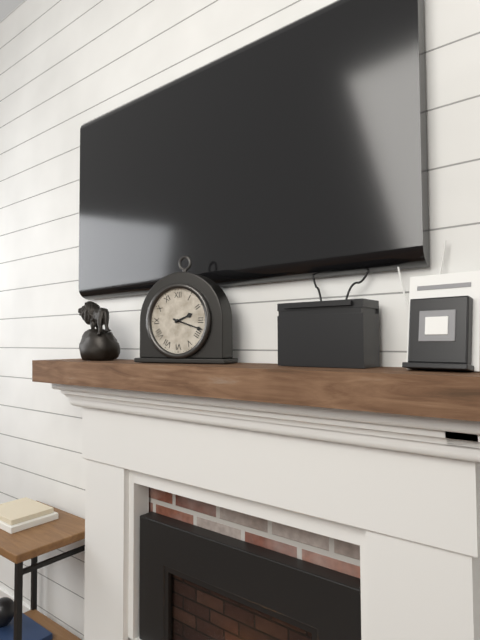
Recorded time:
2,18
